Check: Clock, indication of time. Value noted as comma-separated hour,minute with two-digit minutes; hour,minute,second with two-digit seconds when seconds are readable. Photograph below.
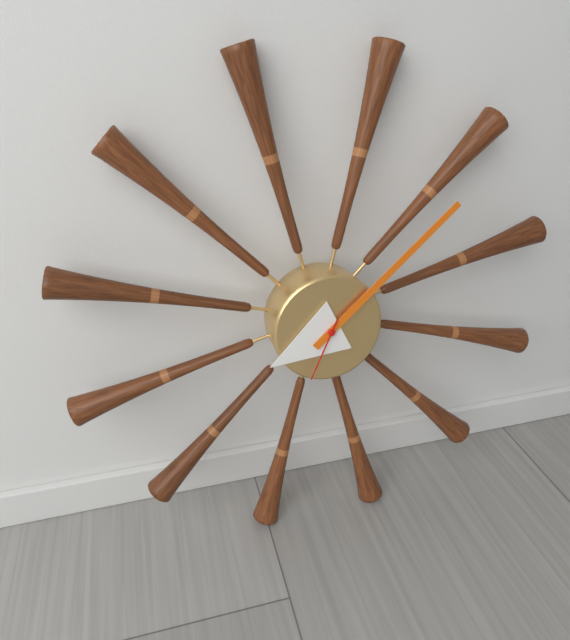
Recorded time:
8,08,34
